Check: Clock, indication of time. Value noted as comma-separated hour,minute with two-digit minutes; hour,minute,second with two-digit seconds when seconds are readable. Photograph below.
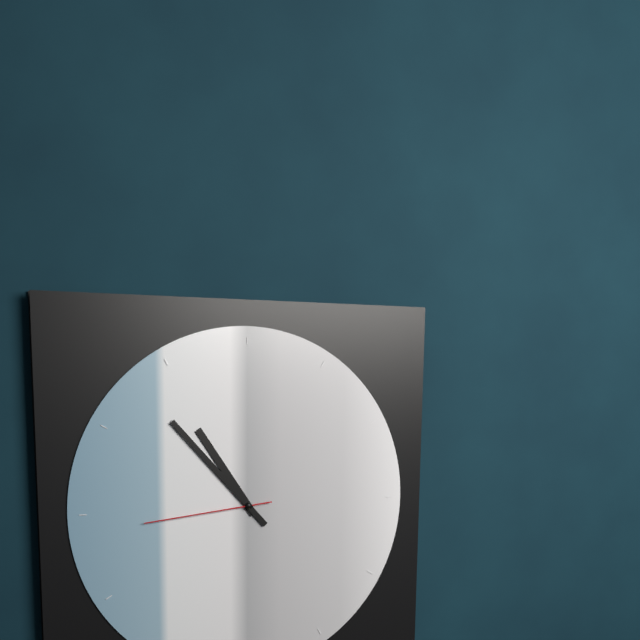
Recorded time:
10,53,44
